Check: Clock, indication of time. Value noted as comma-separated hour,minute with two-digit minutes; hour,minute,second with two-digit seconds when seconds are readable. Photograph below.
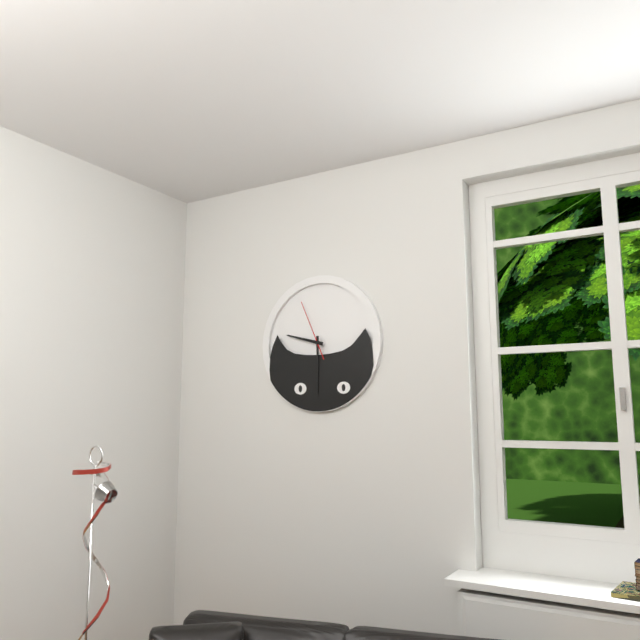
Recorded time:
9,30,56
